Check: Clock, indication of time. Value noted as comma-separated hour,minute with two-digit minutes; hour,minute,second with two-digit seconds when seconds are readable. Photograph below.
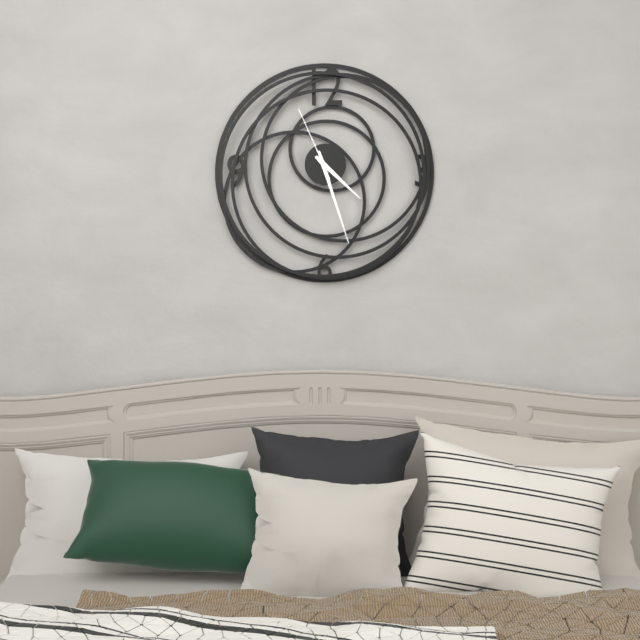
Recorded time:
4,27,56
